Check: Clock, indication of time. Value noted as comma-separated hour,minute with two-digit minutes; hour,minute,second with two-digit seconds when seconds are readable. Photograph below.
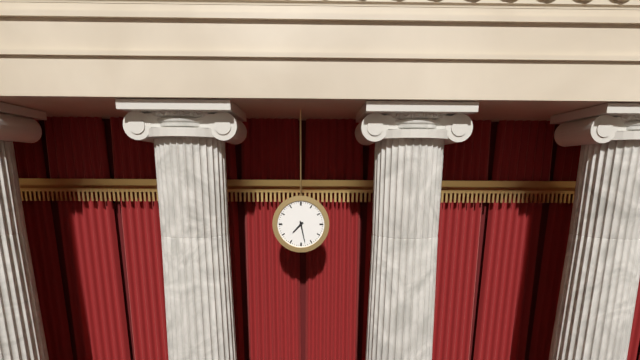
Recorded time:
7,28
